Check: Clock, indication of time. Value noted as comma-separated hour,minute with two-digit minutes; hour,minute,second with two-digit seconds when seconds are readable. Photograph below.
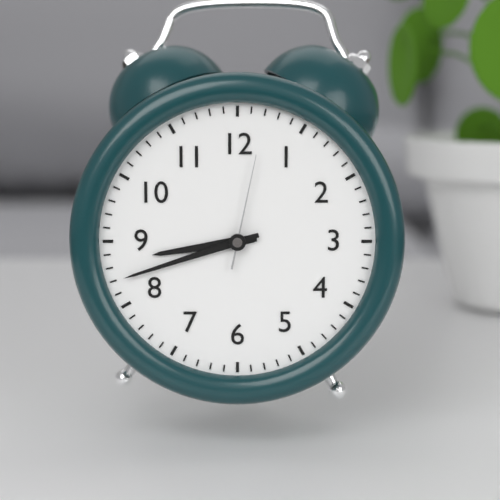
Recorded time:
8,42,02
